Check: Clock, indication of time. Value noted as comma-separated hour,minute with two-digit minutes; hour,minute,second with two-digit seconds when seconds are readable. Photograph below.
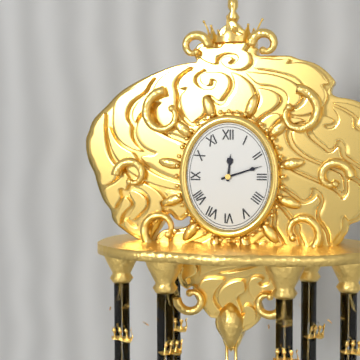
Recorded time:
12,12
